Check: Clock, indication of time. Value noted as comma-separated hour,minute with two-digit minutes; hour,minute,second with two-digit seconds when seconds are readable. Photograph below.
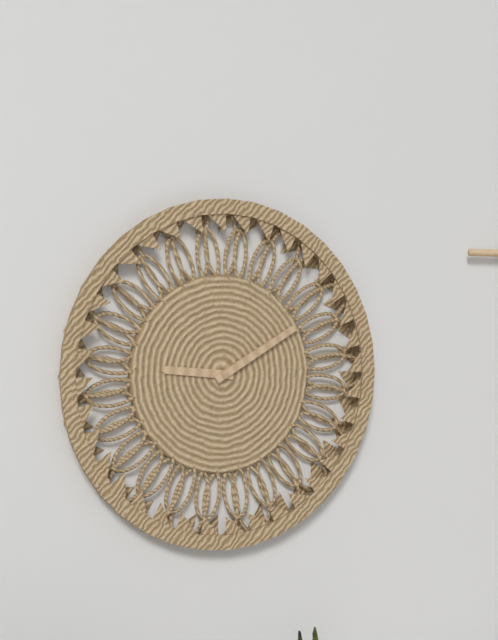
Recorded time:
9,10
